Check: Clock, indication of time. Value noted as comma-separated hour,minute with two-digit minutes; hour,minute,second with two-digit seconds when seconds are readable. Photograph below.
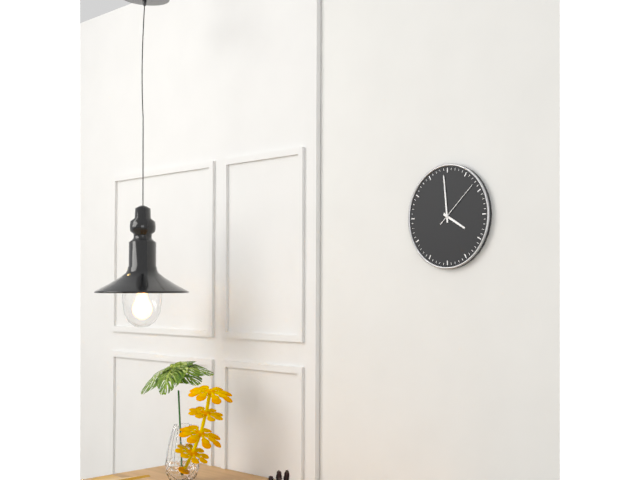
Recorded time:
3,59,08
